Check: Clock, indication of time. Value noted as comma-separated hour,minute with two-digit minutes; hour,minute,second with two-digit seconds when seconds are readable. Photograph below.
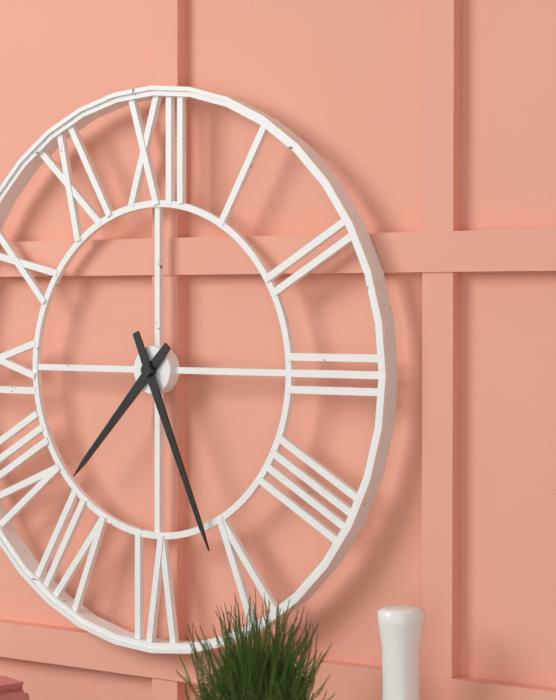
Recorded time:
7,26
